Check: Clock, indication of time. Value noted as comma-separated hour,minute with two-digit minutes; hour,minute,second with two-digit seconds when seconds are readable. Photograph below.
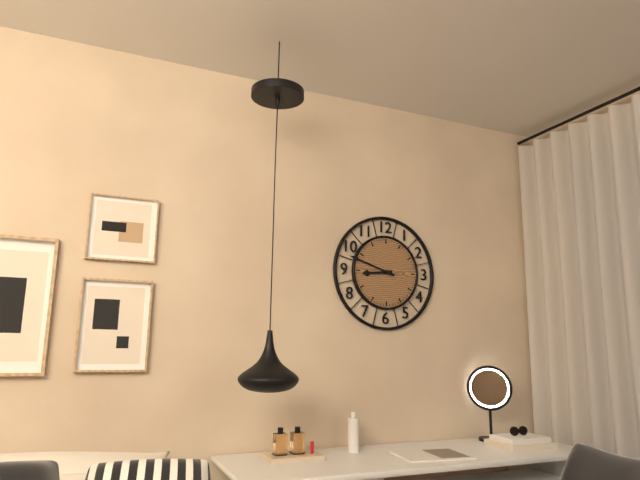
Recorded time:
8,48
